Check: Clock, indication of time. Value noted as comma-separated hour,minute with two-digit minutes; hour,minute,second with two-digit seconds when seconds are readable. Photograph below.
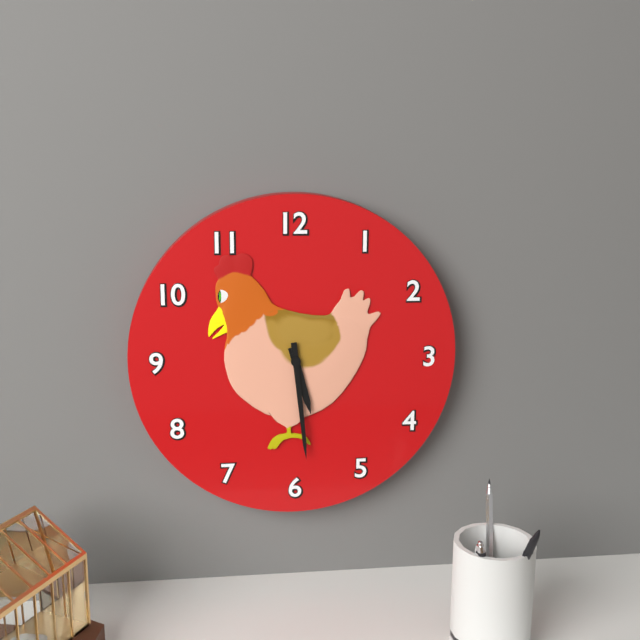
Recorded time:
5,29
